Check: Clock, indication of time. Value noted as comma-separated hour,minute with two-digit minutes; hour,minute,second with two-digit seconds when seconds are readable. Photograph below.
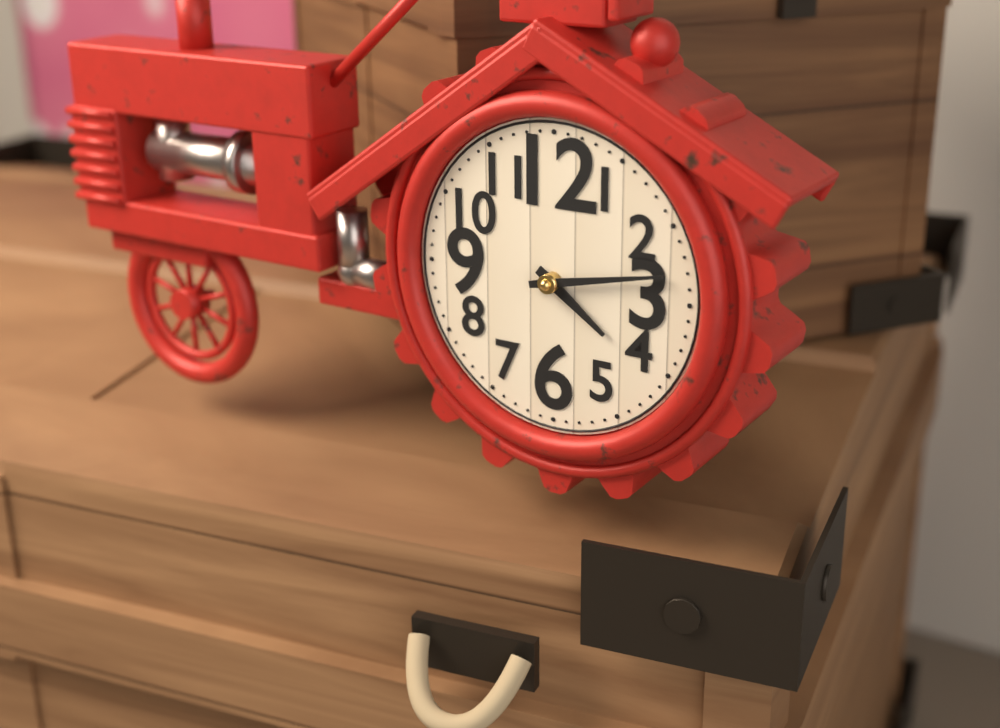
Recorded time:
4,13
